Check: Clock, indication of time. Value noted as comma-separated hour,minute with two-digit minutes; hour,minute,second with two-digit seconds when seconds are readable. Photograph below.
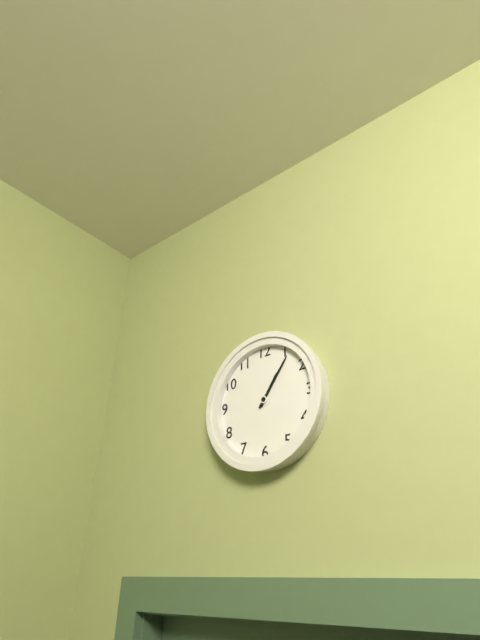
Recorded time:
1,06
